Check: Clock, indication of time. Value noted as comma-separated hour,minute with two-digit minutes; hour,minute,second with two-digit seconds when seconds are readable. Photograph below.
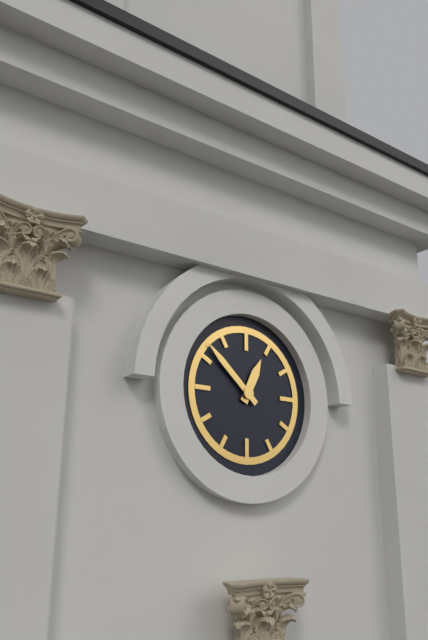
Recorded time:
12,52
